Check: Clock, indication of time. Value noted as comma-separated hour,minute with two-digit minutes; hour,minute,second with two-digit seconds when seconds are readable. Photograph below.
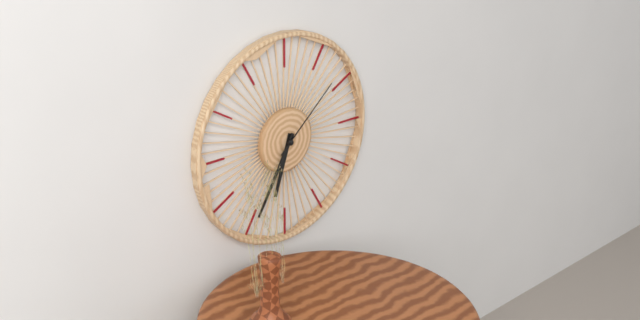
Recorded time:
6,35,08
